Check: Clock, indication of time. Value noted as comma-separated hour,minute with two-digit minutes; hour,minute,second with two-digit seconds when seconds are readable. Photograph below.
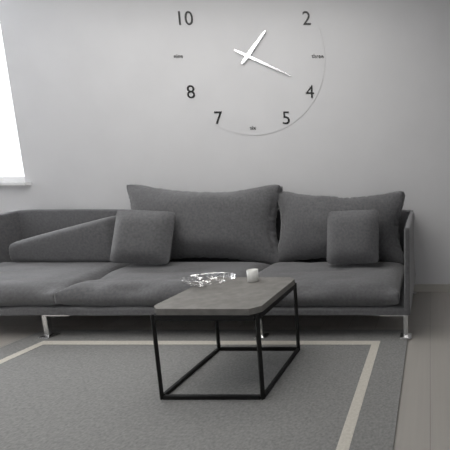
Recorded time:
1,19
